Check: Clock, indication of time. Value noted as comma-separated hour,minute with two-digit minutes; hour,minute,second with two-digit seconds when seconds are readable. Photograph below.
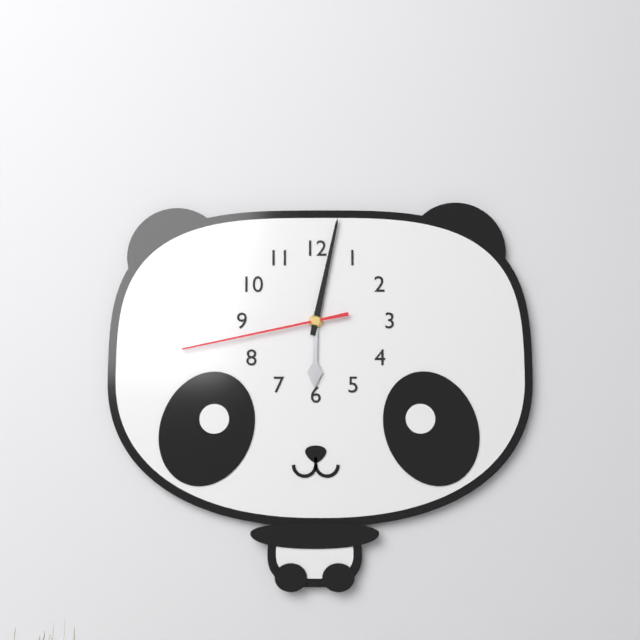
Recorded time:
6,02,43
